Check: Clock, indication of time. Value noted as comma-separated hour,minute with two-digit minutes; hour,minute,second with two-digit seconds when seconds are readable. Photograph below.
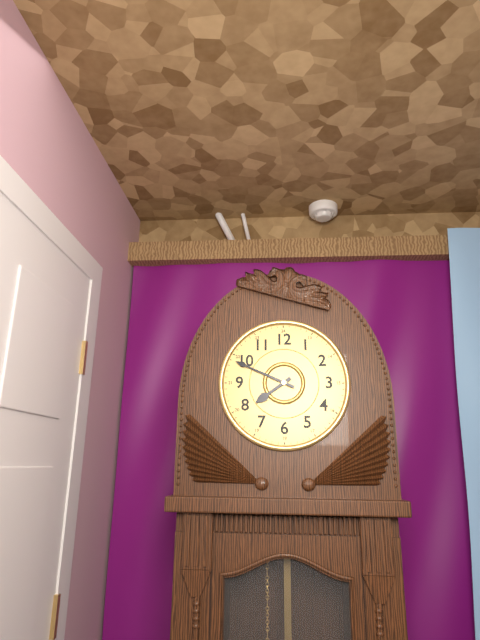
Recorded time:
7,49
